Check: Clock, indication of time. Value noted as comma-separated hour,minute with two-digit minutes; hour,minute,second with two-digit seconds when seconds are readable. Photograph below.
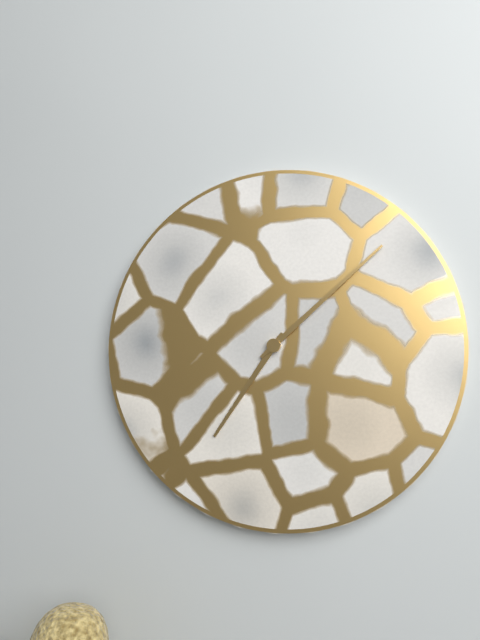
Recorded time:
7,08
